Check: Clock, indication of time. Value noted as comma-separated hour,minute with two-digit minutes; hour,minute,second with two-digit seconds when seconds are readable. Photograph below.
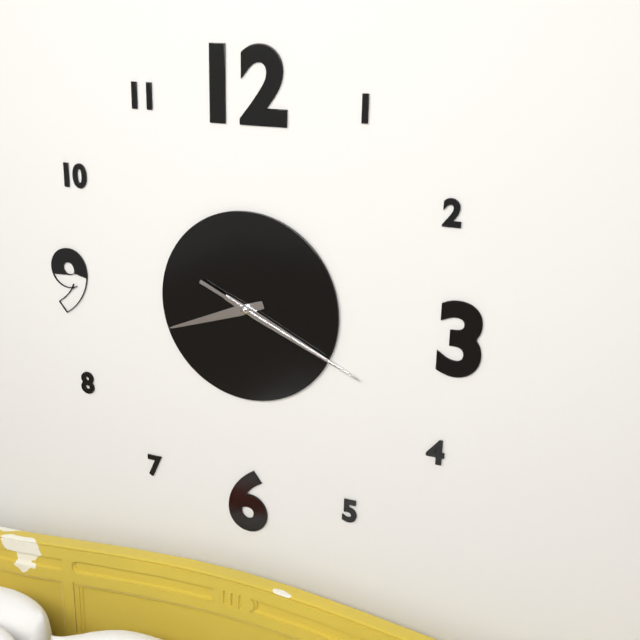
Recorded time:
8,19,19
